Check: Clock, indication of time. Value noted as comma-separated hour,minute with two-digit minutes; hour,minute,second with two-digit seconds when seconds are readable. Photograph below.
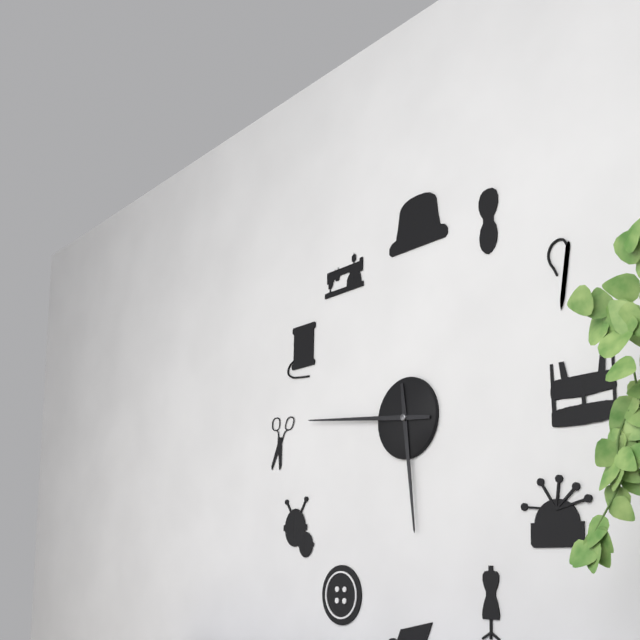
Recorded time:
5,46
